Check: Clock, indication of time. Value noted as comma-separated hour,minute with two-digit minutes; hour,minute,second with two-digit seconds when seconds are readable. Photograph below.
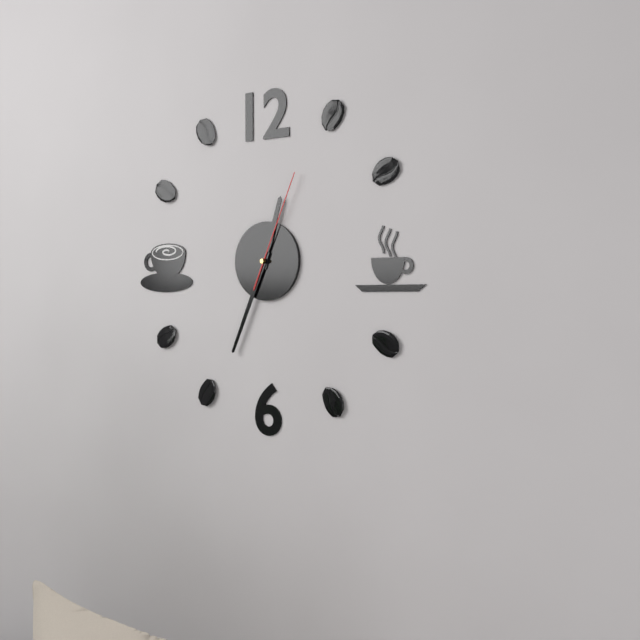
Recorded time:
12,34,04
